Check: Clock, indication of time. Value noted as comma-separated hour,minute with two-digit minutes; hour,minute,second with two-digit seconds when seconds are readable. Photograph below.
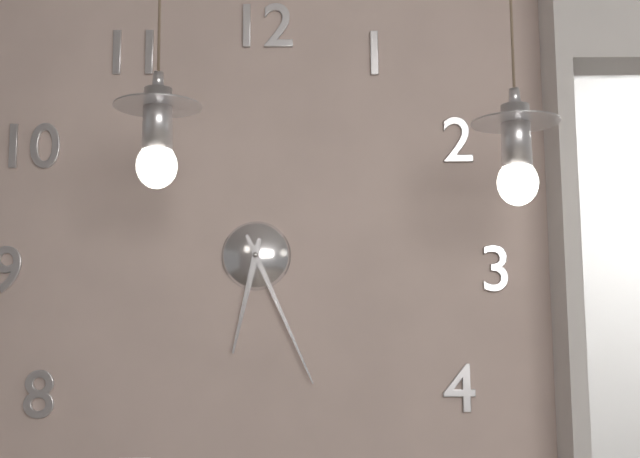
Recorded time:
6,26
